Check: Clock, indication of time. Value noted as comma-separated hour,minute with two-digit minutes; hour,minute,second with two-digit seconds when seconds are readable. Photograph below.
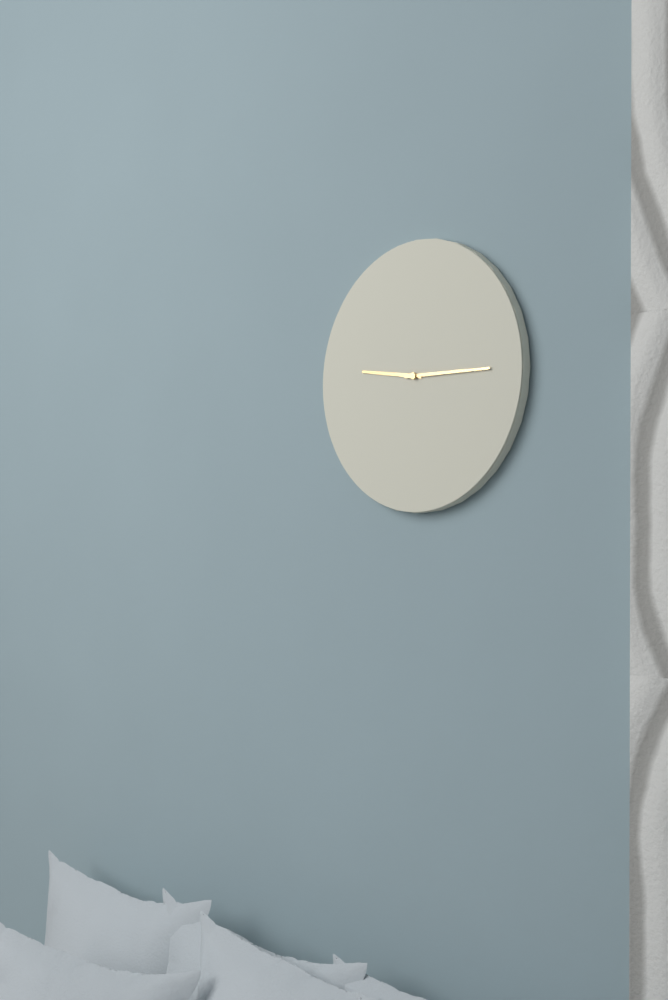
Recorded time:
9,15
